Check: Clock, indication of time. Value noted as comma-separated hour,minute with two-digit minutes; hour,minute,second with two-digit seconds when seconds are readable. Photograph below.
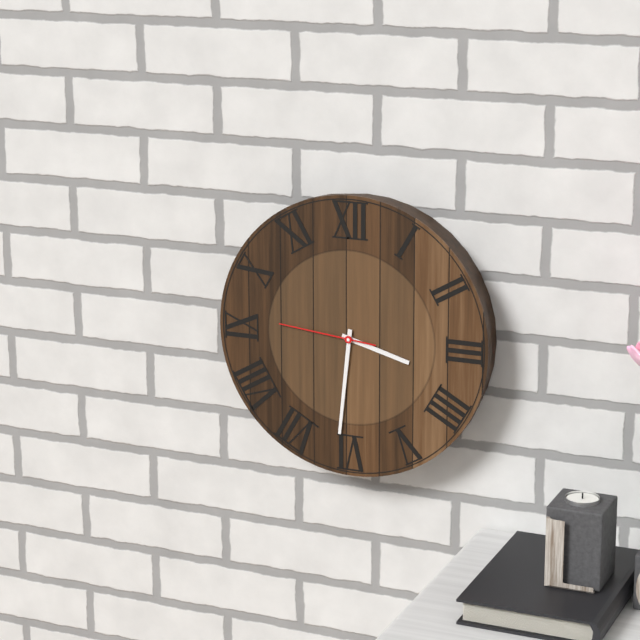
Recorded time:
3,31,46
